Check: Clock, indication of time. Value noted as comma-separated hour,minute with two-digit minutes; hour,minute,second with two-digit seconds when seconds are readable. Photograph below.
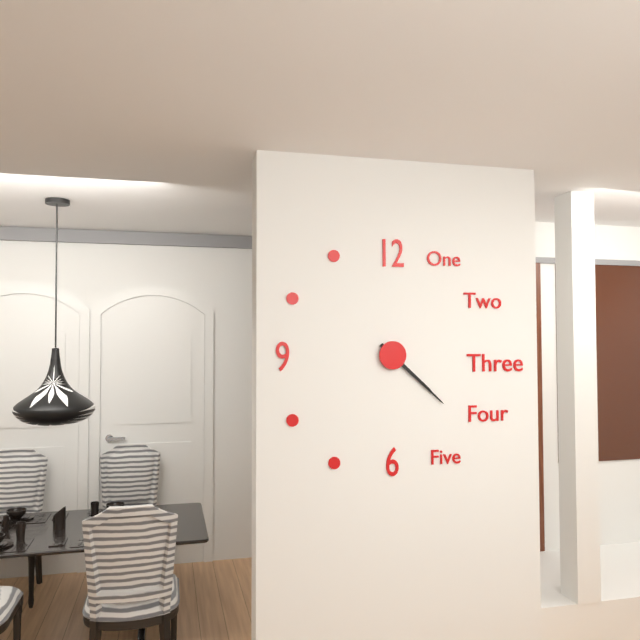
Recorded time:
4,22
